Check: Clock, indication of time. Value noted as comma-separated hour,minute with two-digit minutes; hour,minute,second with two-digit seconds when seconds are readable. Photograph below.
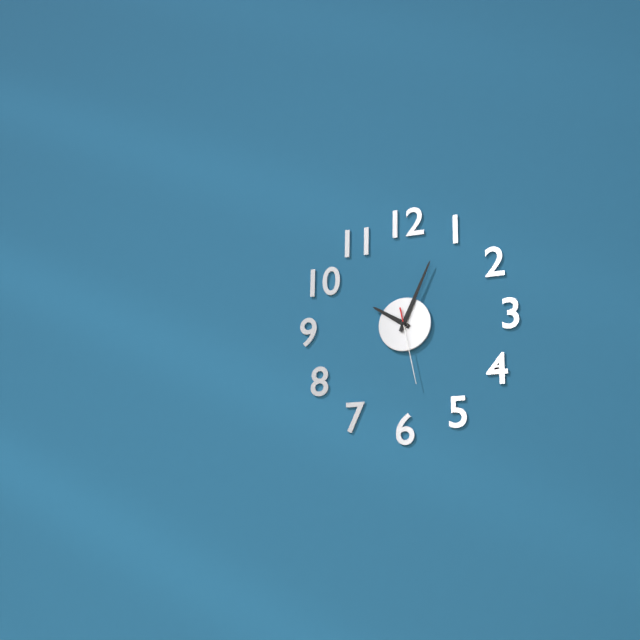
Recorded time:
10,04,28
